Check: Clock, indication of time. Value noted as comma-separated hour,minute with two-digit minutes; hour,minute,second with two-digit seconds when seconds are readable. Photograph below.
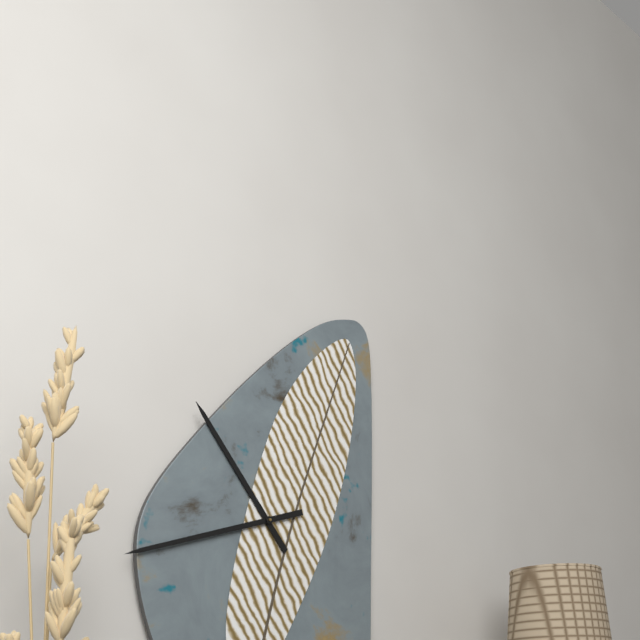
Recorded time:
10,42
